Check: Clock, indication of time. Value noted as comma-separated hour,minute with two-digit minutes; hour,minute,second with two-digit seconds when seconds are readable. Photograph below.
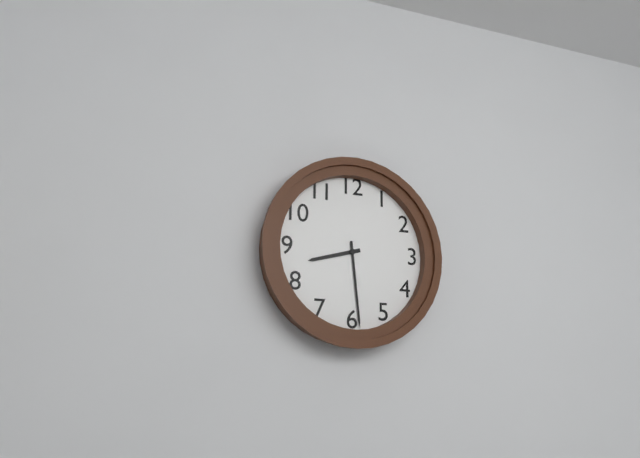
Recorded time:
8,29
